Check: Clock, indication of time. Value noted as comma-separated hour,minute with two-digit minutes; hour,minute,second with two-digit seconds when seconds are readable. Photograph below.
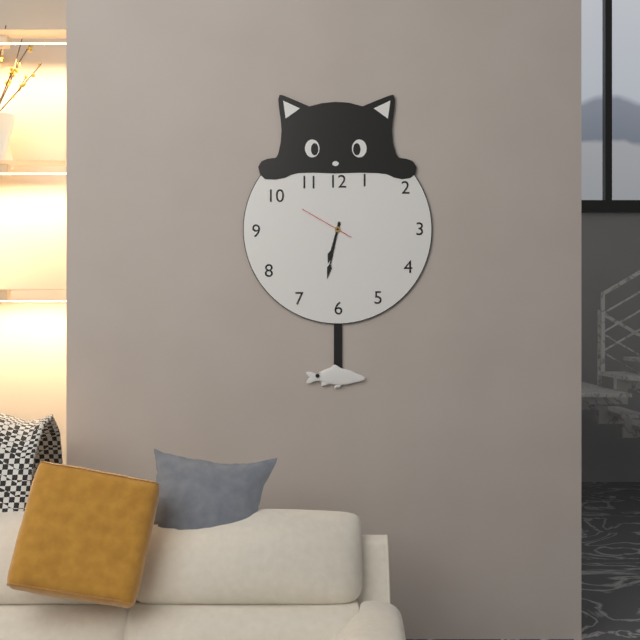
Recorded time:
6,32,50
